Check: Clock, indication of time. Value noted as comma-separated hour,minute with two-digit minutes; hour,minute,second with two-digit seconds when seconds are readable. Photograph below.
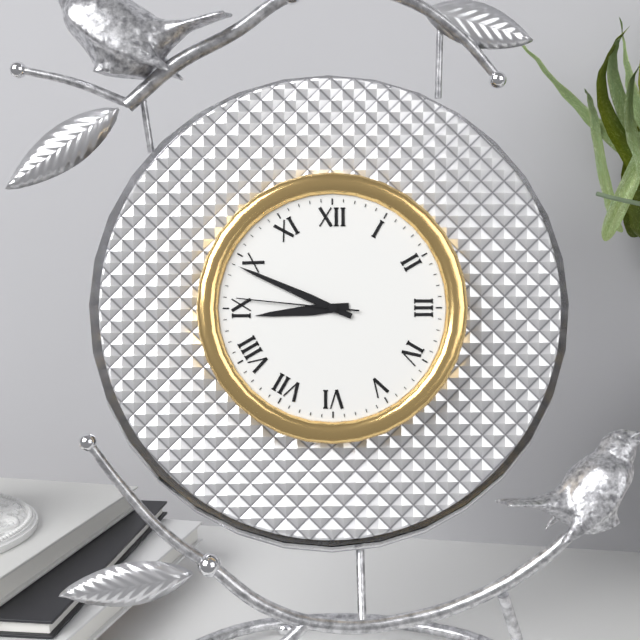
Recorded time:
8,49,46
